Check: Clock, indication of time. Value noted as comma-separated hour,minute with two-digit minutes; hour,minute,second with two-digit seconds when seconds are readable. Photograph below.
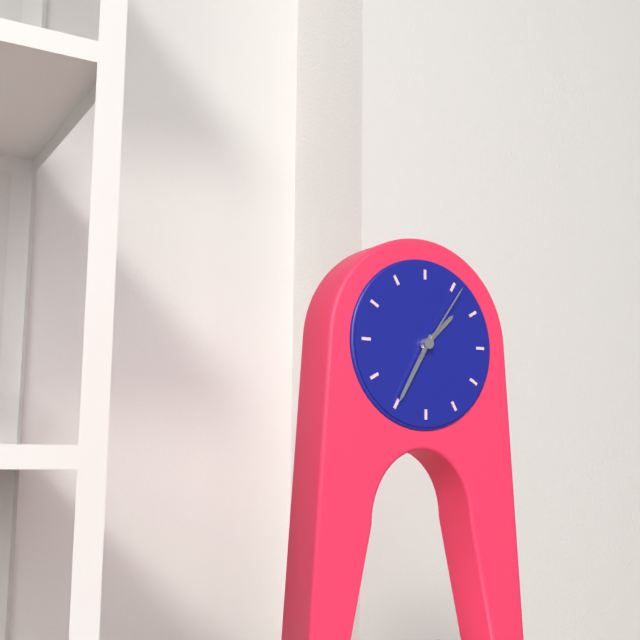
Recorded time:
1,35,06
